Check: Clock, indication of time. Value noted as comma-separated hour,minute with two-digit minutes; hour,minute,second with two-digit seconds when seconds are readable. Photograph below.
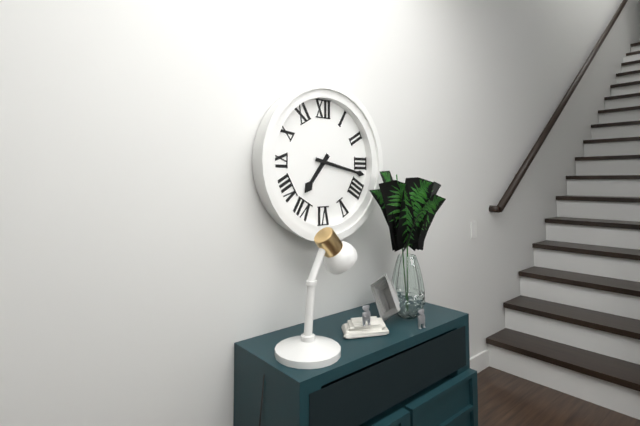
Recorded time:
7,17
